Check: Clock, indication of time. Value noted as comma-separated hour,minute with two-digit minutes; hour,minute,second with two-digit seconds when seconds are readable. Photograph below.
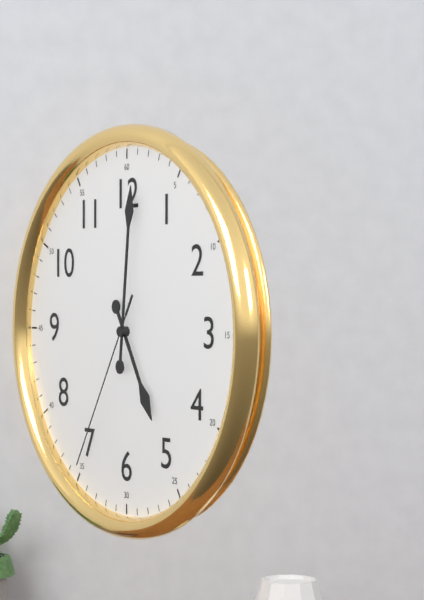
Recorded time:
5,01,35
